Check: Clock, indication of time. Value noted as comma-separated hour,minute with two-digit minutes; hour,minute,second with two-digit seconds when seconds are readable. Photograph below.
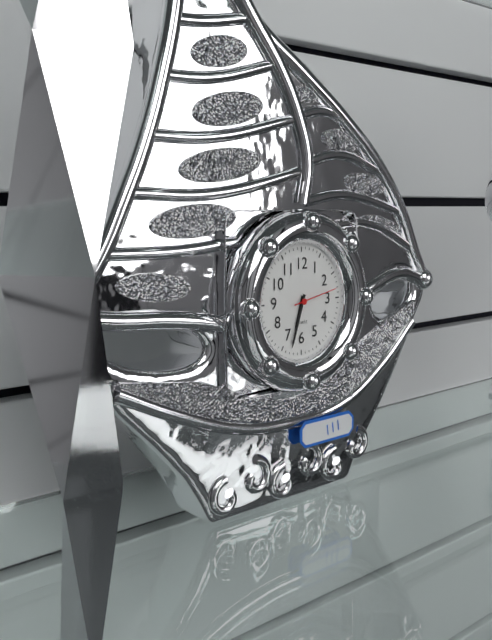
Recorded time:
6,33
